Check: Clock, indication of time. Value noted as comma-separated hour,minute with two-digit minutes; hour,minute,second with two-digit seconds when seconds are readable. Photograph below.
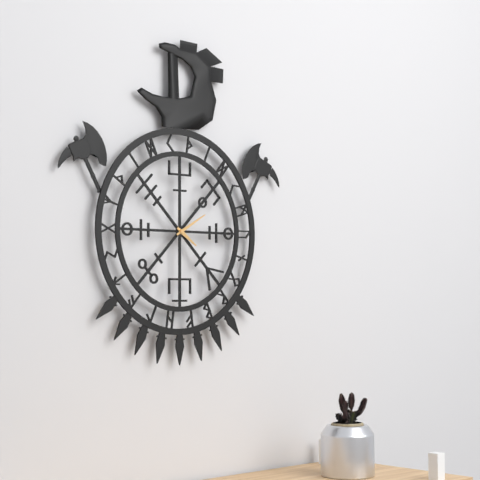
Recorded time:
4,10
